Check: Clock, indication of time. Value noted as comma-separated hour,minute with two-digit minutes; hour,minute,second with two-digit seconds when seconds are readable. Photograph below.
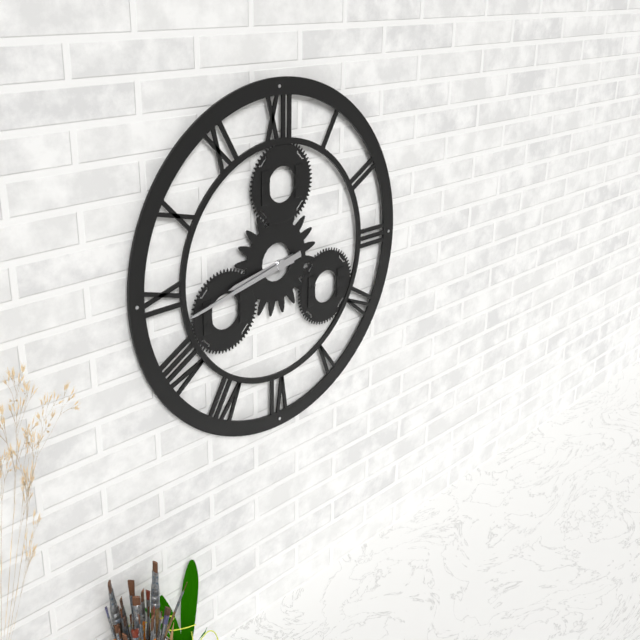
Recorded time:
8,43
